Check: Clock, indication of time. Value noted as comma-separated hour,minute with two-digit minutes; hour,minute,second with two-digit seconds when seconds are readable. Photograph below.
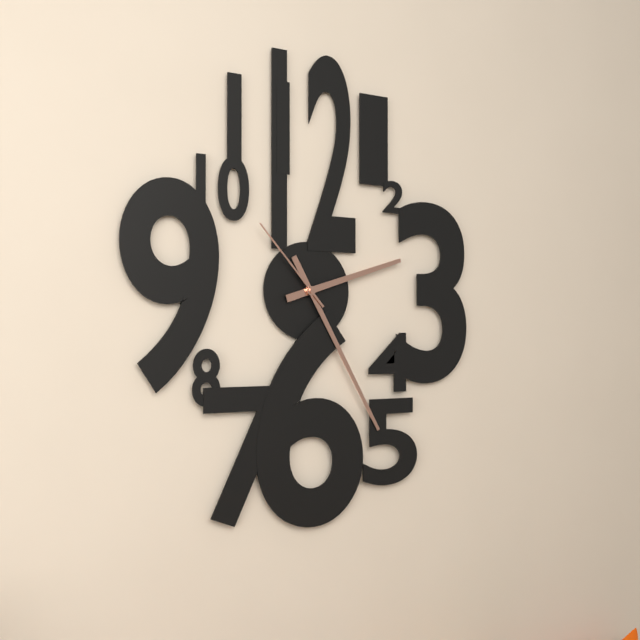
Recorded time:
2,25,53
